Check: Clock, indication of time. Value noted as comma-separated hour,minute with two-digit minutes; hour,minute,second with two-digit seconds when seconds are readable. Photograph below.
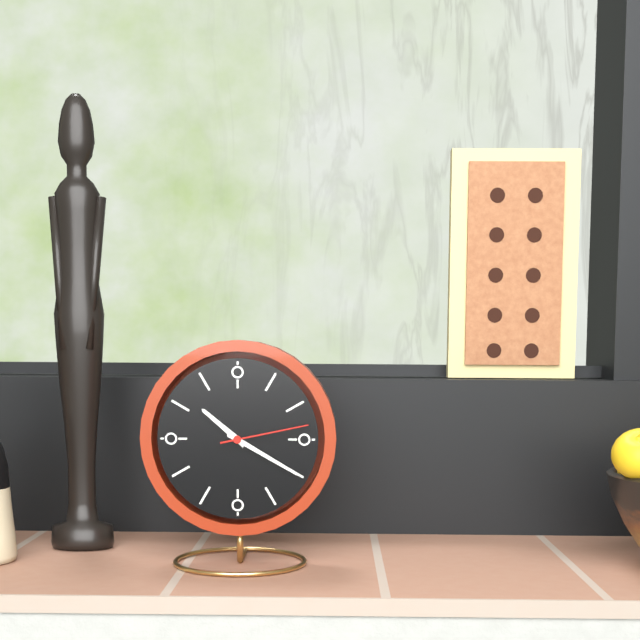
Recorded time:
10,20,13
